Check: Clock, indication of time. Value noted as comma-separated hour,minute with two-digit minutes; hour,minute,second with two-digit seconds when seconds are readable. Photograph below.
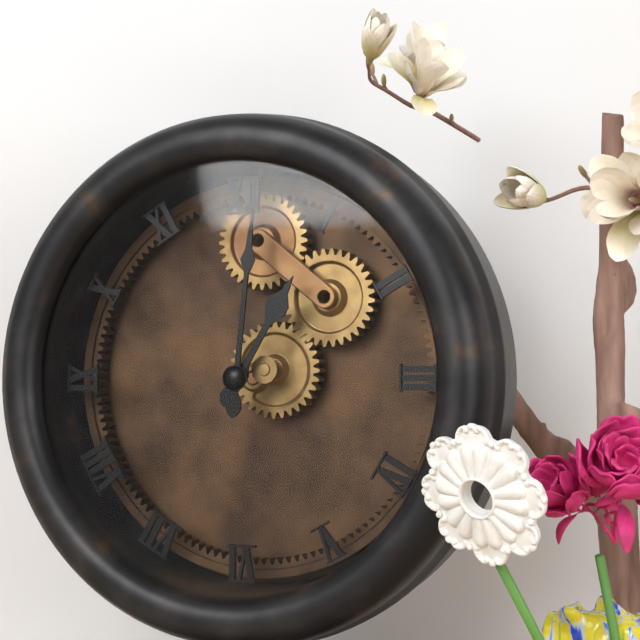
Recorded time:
1,01
